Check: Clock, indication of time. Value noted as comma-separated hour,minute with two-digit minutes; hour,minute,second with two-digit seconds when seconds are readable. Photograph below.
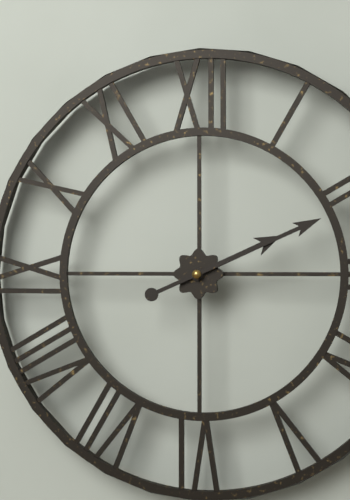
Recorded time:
2,11
